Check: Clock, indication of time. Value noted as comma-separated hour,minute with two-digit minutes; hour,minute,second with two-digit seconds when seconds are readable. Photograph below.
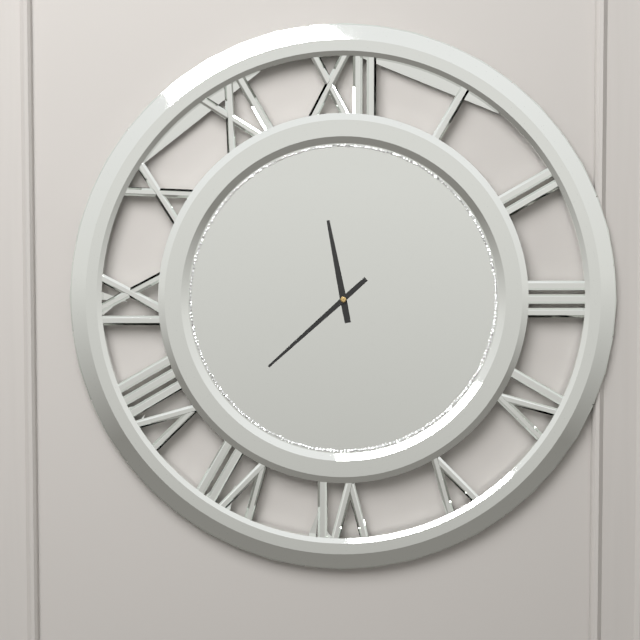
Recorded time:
11,38
